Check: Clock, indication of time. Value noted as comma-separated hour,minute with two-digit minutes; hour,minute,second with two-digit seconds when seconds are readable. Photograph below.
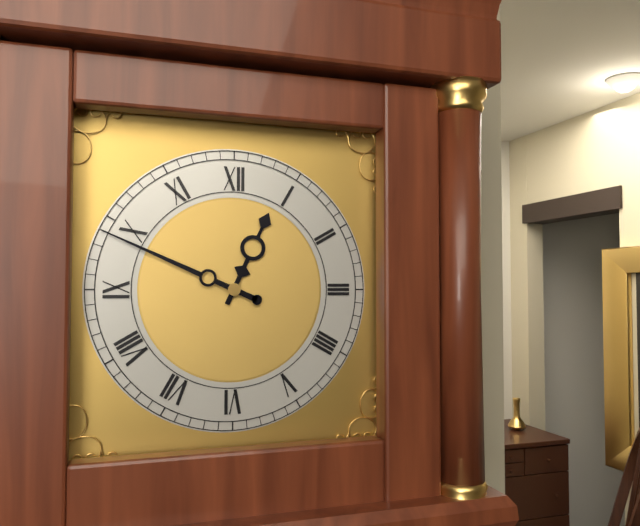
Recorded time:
12,49
